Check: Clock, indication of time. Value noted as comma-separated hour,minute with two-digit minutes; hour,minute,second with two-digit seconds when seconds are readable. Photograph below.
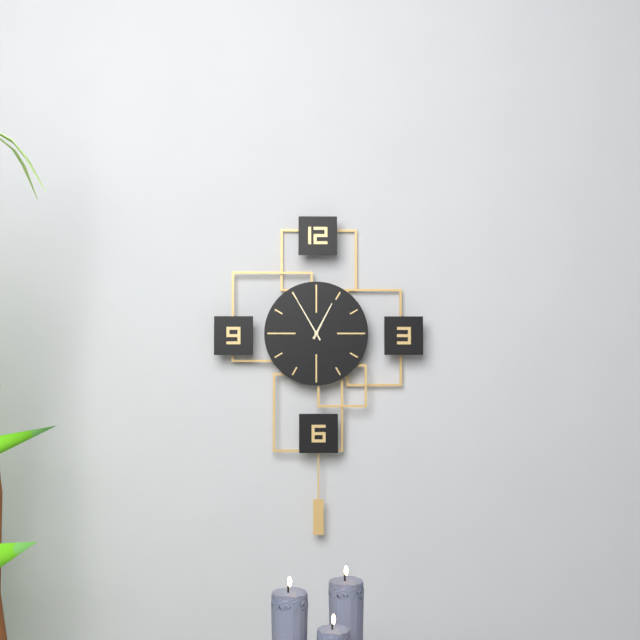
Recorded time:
12,55
